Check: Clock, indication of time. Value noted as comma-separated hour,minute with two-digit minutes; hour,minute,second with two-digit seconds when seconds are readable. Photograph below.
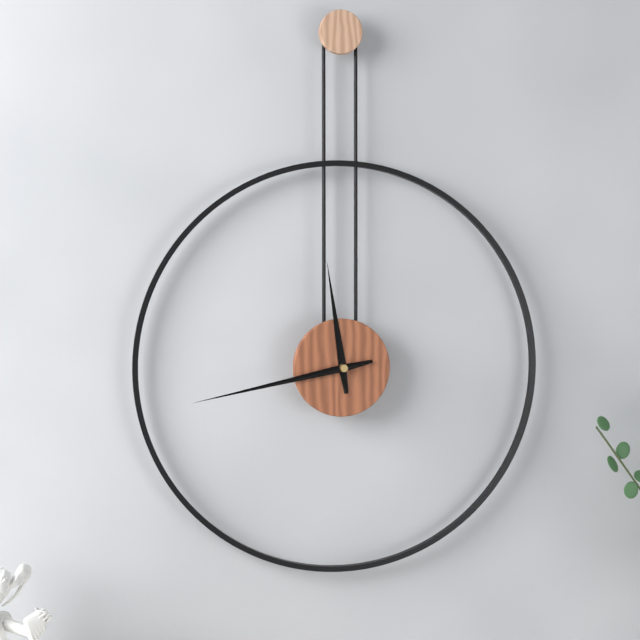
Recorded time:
11,43
